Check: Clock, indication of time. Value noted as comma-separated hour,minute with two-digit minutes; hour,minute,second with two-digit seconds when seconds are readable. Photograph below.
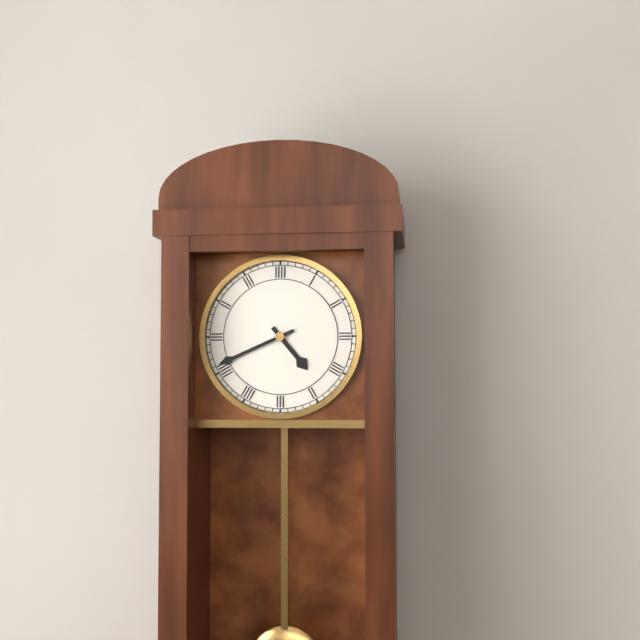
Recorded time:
4,41
